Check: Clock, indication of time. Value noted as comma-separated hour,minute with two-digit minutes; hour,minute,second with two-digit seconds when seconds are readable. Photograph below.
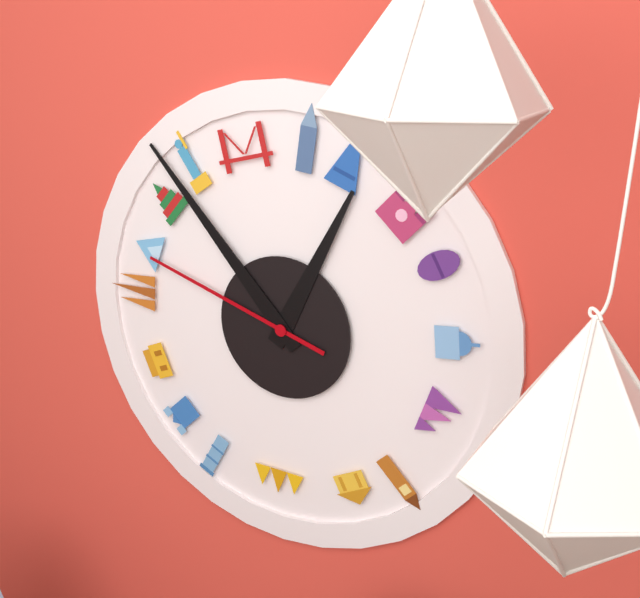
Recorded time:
12,53,48
